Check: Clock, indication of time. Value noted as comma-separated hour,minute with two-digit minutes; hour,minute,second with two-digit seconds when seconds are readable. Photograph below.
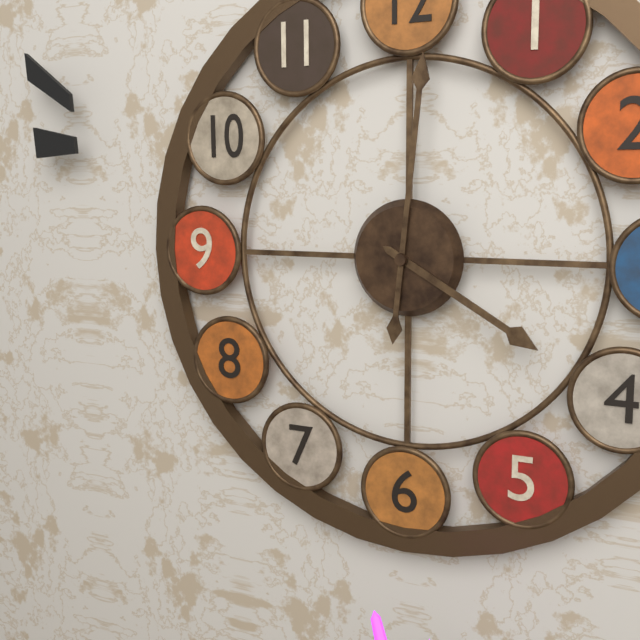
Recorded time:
4,01
